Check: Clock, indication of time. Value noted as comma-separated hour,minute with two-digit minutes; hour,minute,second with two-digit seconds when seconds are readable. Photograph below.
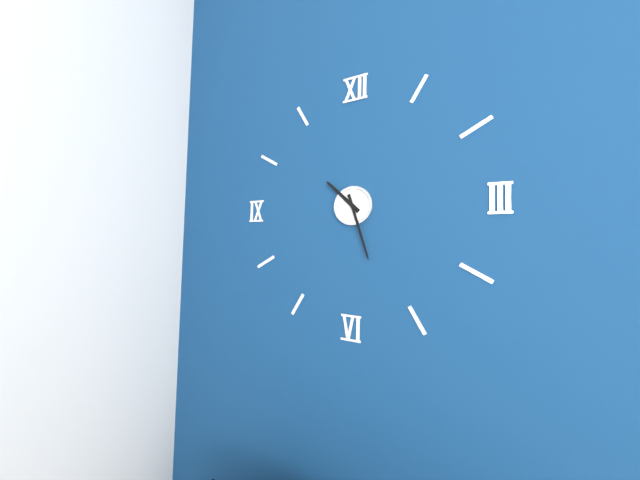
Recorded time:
10,27
